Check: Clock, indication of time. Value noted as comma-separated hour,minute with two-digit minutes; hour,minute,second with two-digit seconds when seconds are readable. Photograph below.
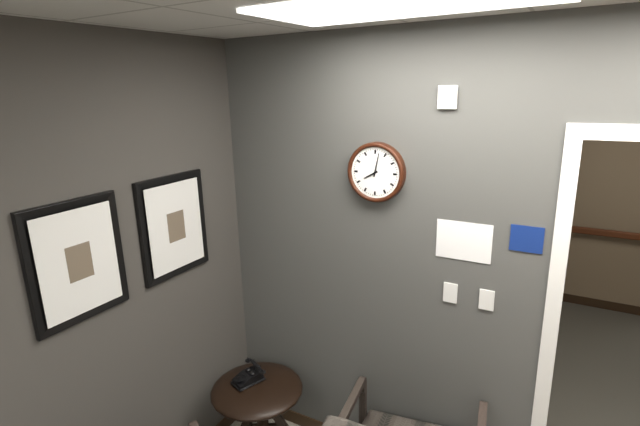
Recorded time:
8,02
